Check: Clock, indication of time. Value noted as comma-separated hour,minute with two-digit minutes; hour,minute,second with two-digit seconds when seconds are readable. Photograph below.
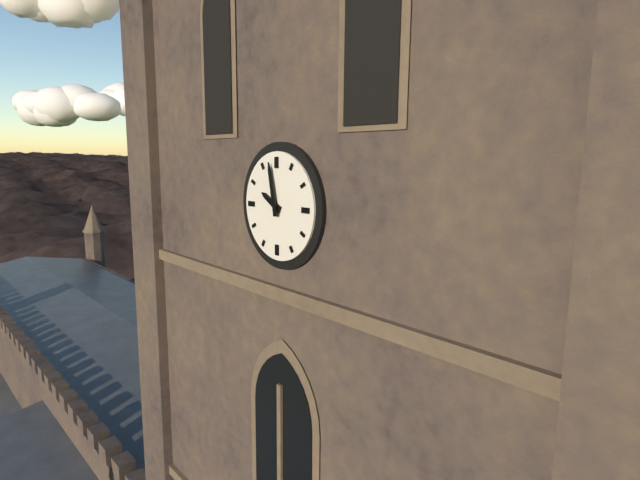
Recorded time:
9,58
